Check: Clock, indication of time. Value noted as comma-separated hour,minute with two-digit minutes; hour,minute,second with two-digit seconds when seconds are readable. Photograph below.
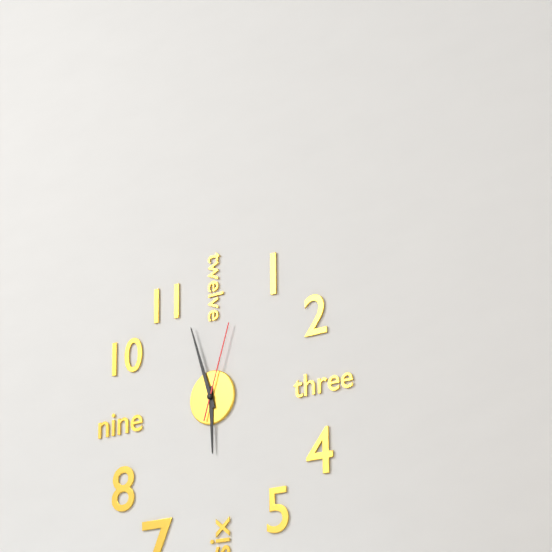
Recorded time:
5,57,03
